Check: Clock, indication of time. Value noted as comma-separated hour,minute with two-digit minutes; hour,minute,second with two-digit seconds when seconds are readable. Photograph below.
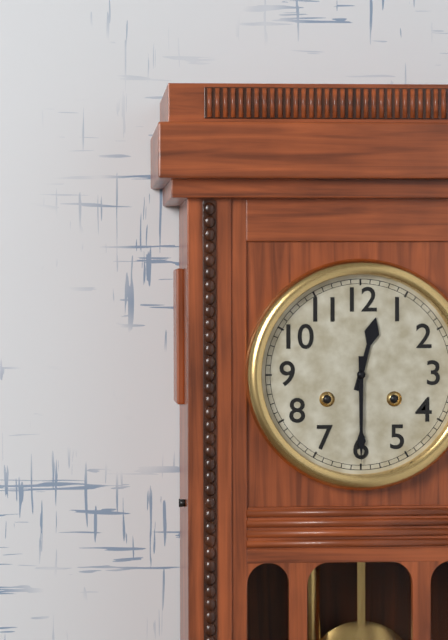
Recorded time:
12,30
